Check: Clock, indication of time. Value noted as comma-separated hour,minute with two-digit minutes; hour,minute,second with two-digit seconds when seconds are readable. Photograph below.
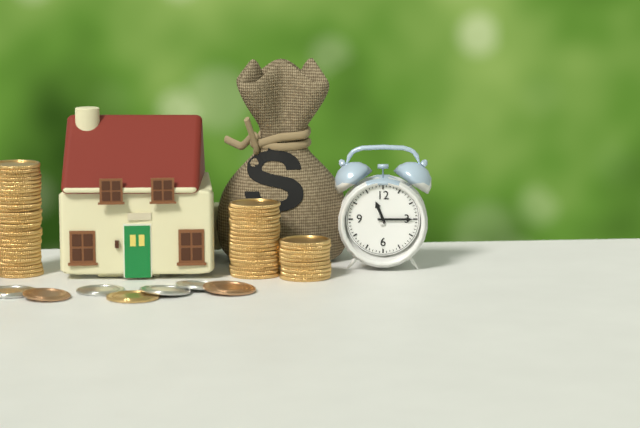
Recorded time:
11,15
